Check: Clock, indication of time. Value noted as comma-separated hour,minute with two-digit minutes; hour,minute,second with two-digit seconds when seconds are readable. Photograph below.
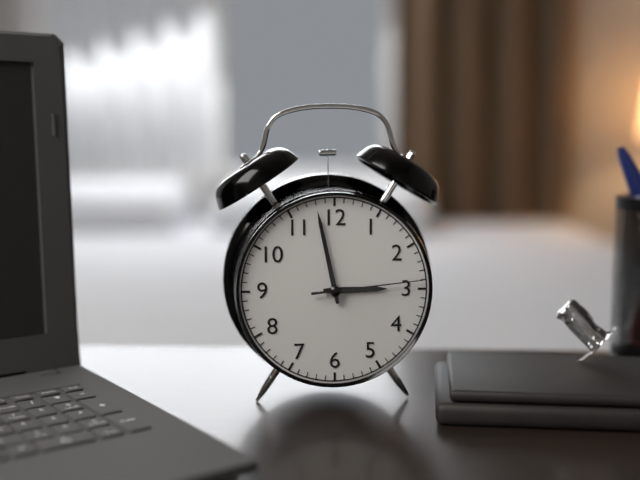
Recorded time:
2,58,14
